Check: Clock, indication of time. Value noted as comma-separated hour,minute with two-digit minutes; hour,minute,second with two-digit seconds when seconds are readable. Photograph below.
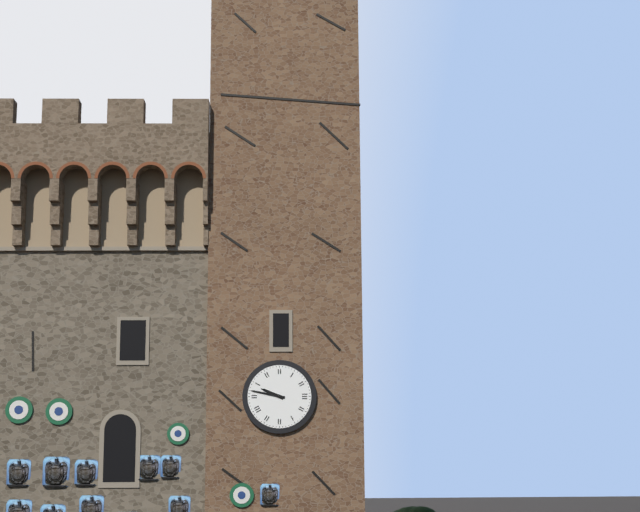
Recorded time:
9,47
